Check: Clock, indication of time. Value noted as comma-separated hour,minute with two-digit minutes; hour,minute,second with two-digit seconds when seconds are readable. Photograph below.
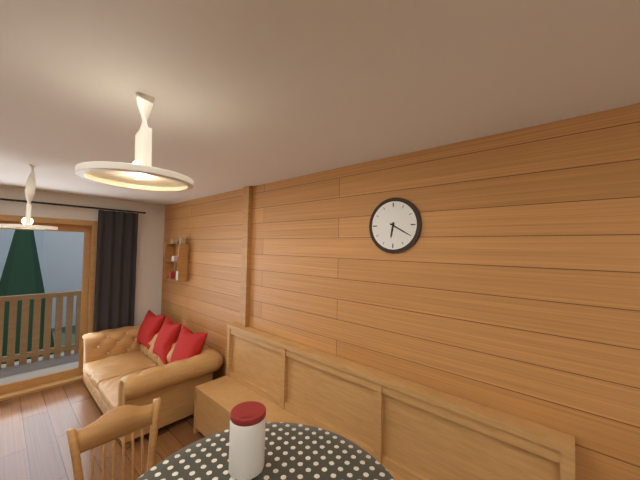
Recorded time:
6,20
